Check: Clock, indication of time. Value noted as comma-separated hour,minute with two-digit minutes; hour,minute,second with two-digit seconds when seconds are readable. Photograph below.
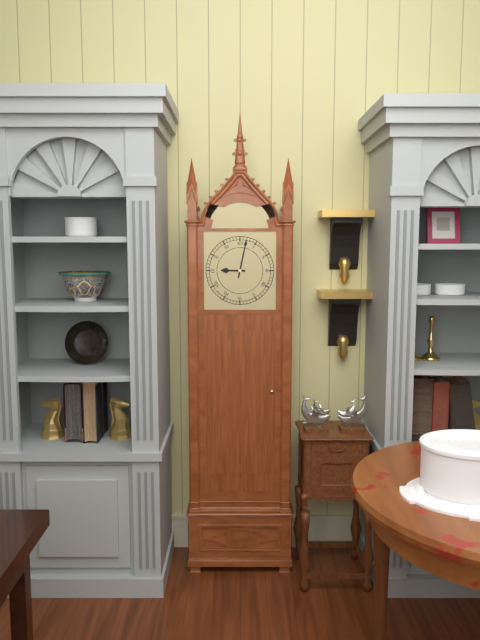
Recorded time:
9,02
